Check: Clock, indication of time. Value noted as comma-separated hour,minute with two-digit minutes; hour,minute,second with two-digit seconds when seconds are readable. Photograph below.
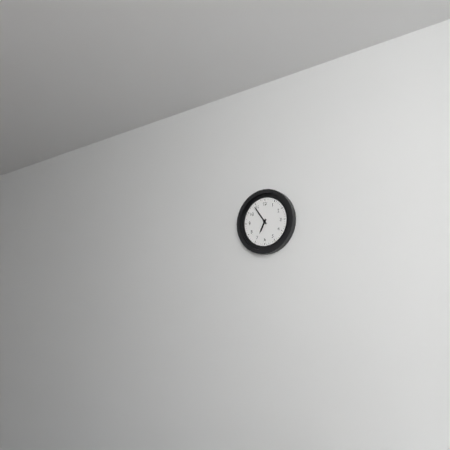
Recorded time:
6,54
